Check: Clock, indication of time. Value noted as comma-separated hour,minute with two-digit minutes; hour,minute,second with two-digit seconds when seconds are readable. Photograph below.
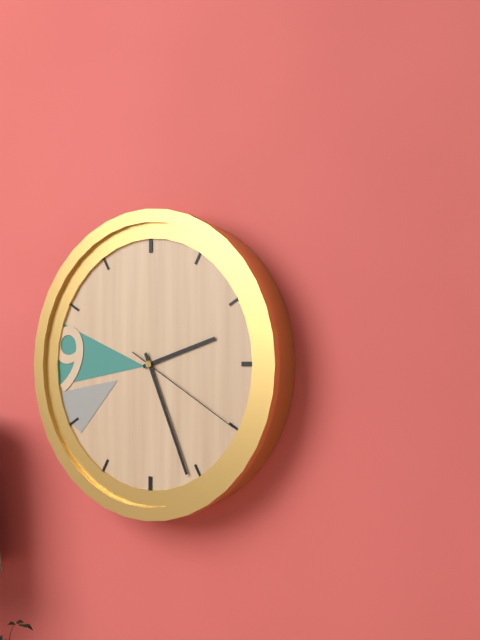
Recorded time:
2,26,20
